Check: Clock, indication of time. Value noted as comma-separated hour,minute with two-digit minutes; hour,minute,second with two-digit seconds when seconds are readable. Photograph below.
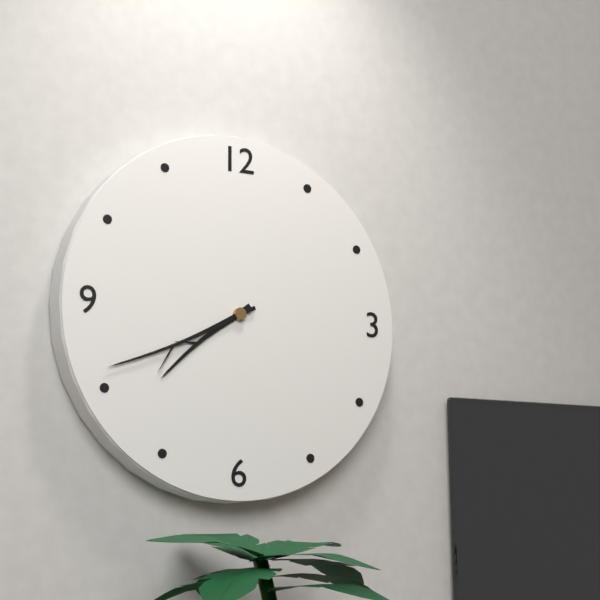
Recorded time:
7,41
